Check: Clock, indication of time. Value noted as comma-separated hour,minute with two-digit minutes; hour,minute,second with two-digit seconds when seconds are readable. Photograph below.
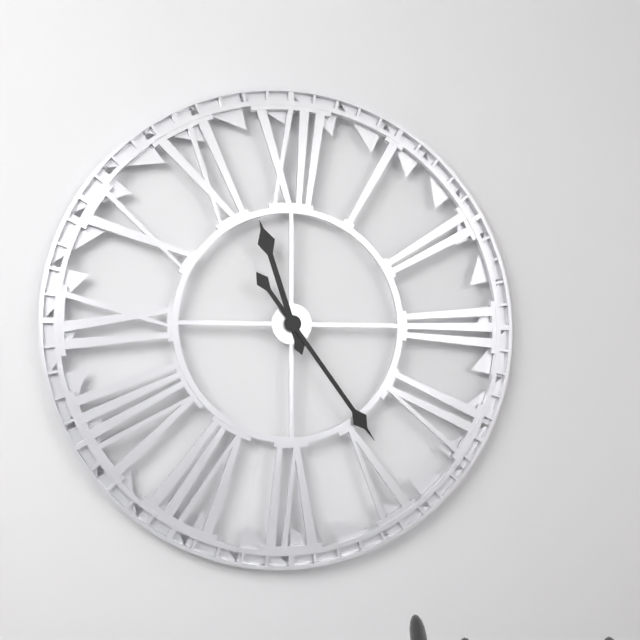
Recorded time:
11,24
